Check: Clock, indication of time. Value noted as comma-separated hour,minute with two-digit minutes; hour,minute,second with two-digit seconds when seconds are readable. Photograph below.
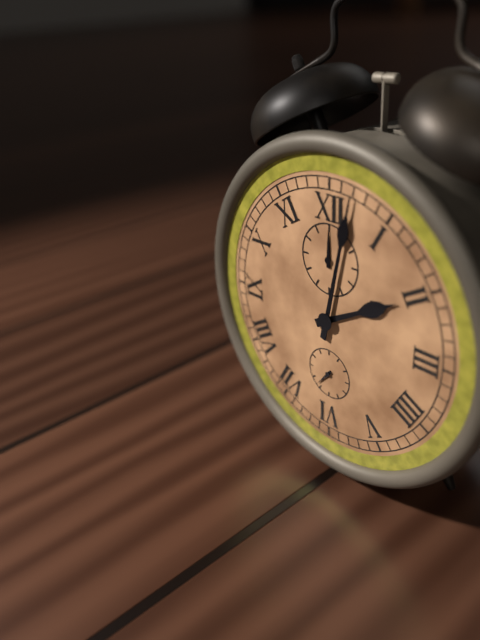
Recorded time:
2,02
